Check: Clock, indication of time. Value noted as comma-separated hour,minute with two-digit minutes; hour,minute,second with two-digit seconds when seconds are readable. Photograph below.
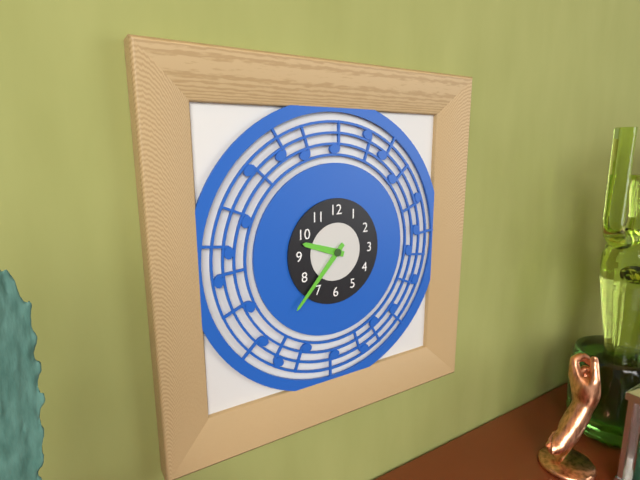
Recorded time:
9,37
